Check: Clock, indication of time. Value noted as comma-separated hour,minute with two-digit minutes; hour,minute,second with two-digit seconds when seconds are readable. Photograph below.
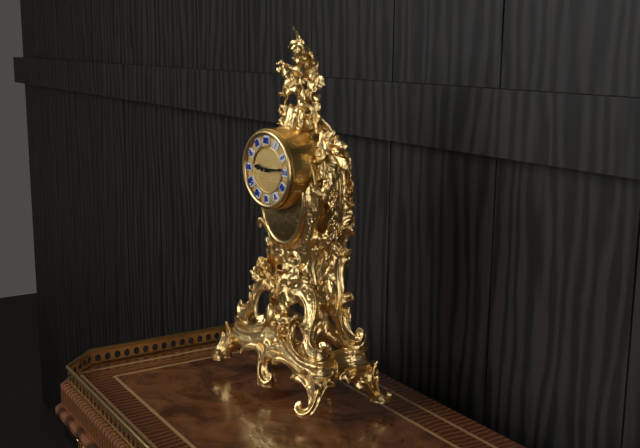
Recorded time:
9,14
